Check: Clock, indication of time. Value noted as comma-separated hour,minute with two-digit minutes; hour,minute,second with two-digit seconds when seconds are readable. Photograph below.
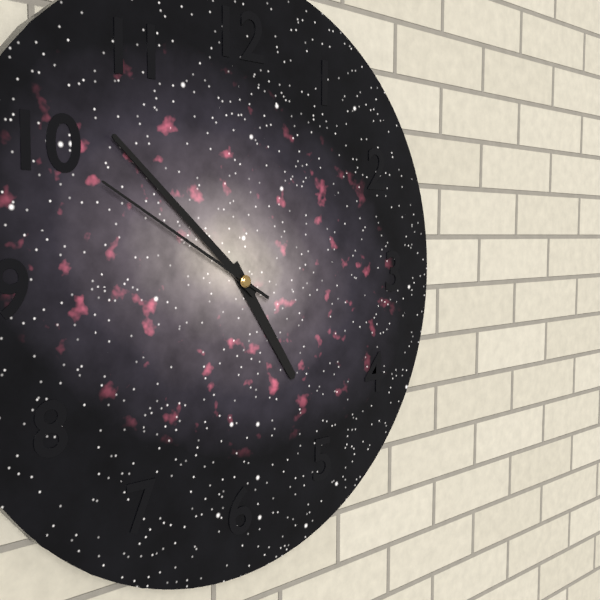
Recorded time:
4,52,50
